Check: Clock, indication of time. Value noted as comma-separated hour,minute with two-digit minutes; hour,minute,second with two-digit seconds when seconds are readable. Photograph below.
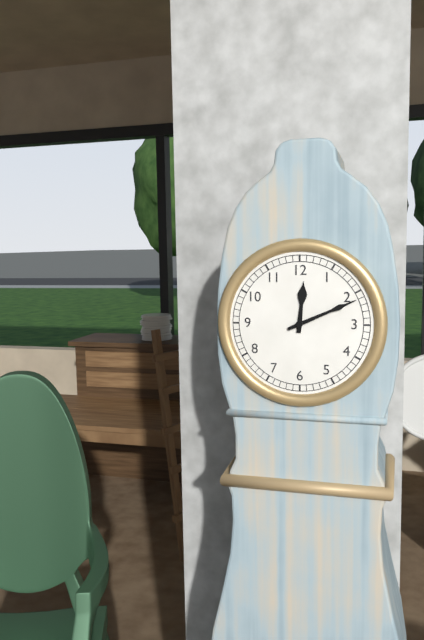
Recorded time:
12,11
